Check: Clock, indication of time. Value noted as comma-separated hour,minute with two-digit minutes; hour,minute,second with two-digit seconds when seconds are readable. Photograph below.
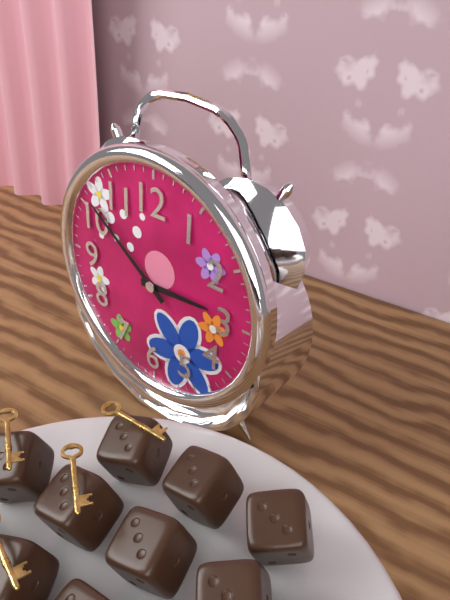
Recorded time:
2,51
